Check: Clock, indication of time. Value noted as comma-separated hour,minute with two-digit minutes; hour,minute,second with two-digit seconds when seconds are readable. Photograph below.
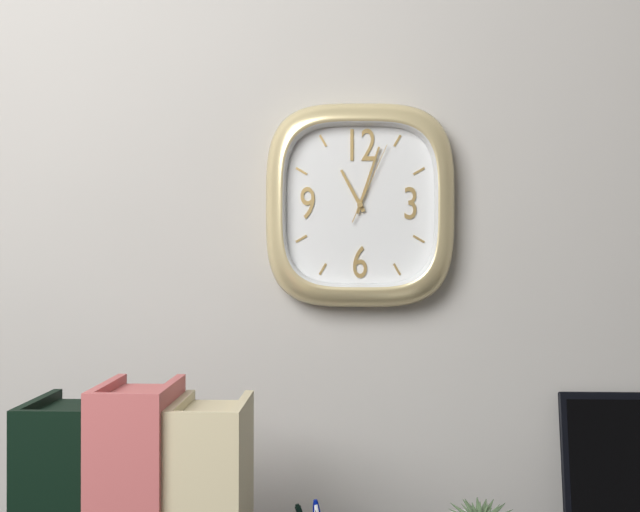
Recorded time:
11,03,04
